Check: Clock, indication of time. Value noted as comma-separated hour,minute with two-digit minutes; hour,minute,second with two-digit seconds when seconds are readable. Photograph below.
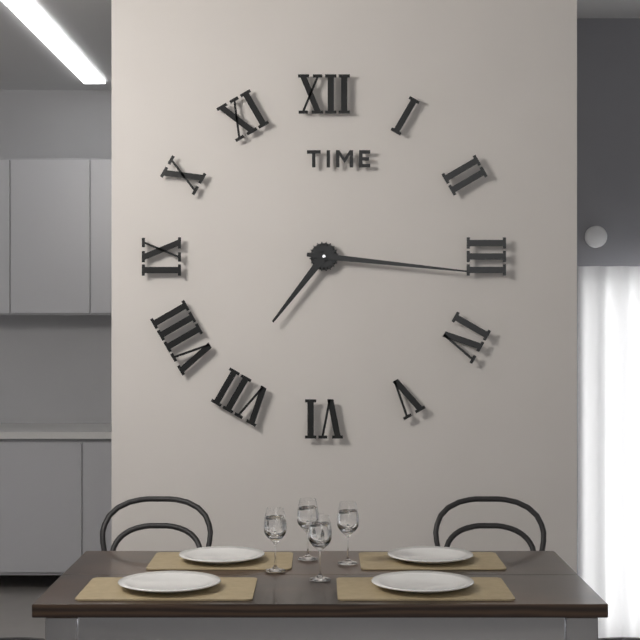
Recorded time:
7,16
